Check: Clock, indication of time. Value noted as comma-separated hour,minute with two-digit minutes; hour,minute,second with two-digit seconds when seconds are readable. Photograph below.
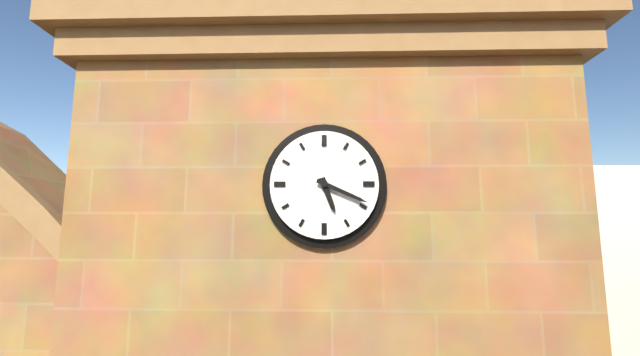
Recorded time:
5,19
